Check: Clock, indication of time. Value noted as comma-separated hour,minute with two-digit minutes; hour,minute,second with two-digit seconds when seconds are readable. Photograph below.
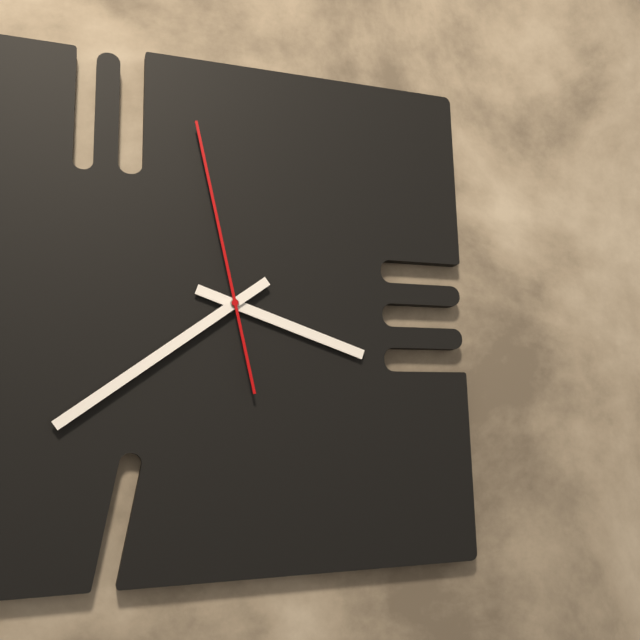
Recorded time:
3,39,58
